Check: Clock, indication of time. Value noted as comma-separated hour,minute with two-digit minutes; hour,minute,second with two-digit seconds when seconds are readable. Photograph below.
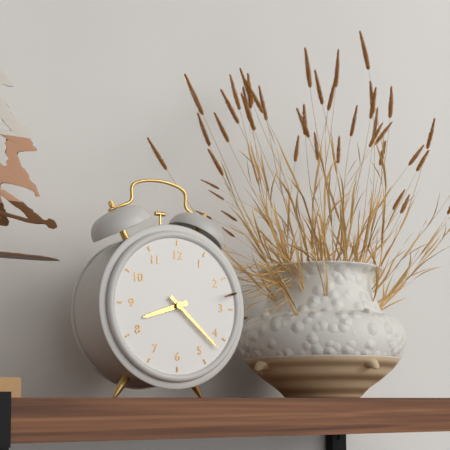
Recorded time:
8,22
